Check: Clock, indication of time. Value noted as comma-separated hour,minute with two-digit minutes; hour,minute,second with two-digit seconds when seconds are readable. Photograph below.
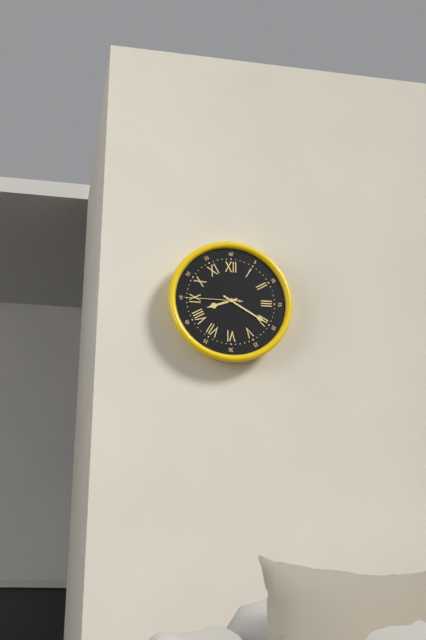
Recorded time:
8,20,45
